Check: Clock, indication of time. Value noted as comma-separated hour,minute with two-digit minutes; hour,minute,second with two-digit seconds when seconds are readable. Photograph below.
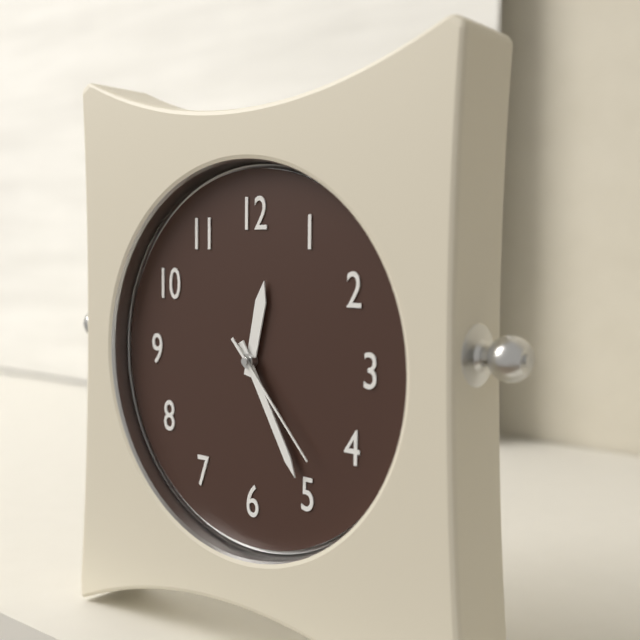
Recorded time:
12,25,23
